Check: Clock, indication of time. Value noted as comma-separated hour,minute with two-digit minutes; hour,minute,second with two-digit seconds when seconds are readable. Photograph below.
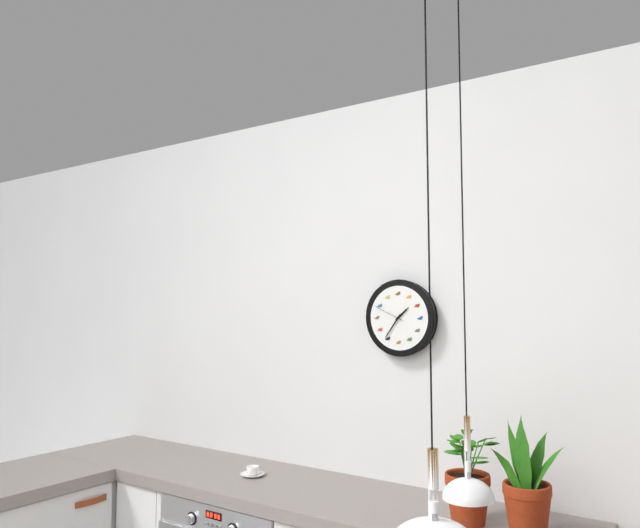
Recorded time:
1,36
